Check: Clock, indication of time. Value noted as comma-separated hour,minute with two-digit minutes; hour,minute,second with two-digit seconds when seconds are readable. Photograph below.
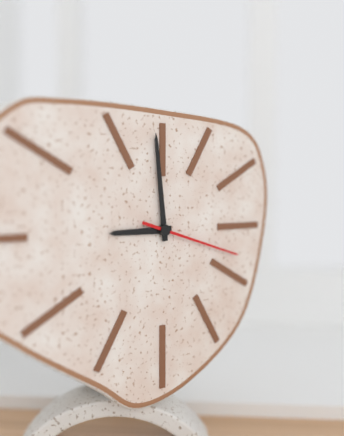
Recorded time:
8,59,18
